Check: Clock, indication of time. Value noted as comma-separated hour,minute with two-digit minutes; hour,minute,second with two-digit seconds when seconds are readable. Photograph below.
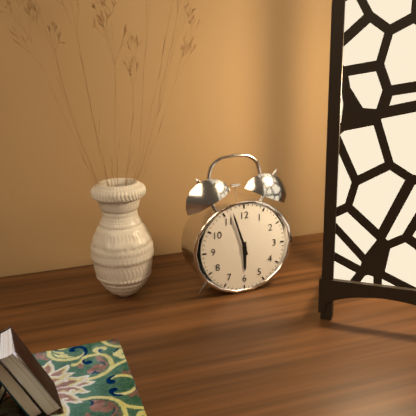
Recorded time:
5,57
